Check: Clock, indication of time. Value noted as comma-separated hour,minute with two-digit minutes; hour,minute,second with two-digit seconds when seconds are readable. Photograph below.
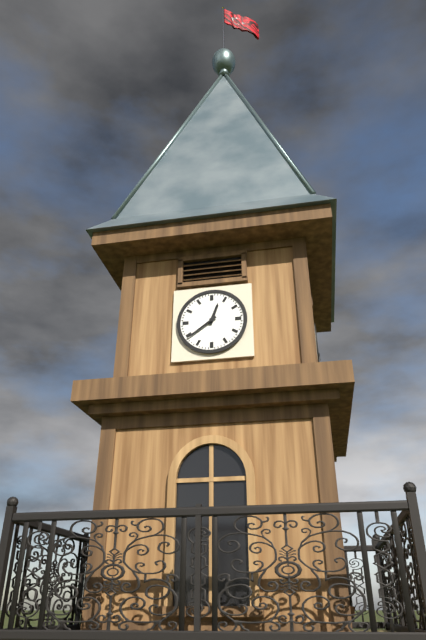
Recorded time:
12,39
